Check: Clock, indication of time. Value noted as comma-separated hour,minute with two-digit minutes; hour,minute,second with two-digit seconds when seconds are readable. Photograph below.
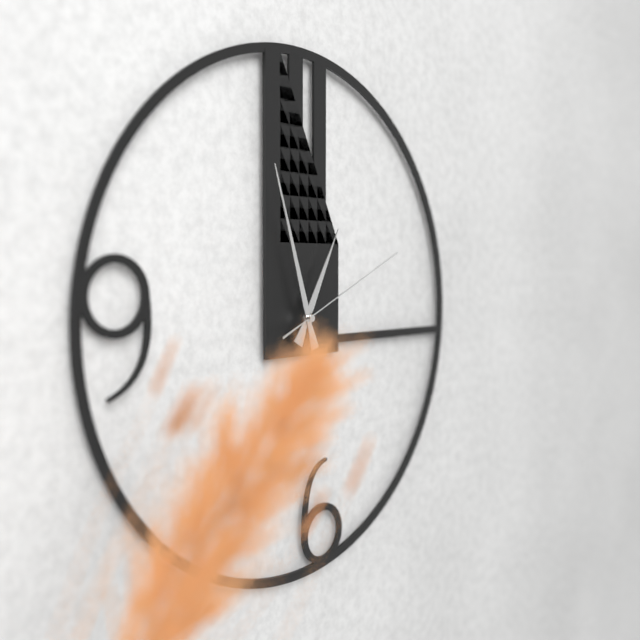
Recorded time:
12,57,11
